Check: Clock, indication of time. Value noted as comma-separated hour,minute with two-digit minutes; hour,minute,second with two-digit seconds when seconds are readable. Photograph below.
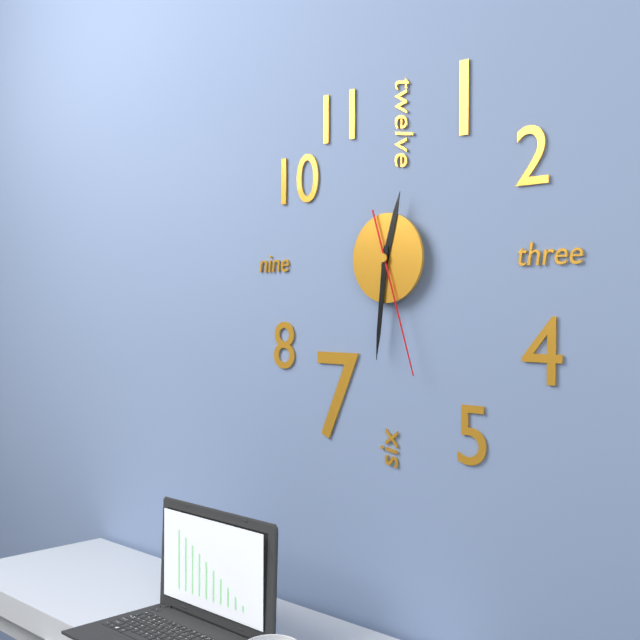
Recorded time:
12,31,27
